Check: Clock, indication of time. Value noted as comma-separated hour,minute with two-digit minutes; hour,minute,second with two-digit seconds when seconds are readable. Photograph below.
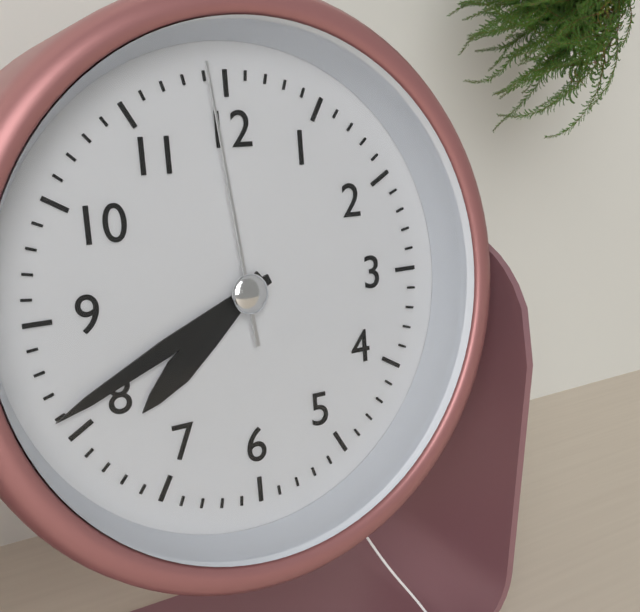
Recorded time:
7,41,59
